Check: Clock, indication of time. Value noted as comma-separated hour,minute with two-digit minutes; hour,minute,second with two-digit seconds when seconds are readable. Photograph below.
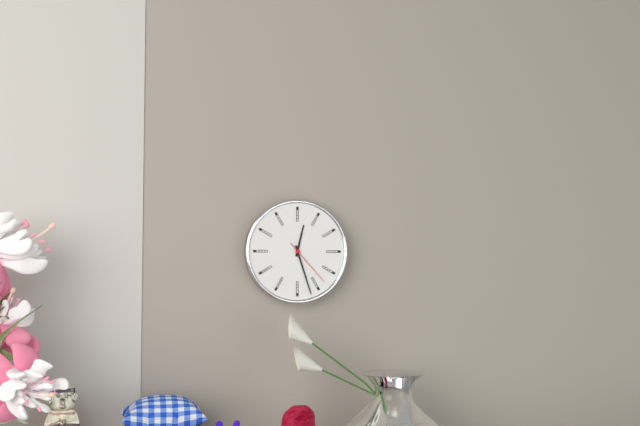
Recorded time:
12,27,23
